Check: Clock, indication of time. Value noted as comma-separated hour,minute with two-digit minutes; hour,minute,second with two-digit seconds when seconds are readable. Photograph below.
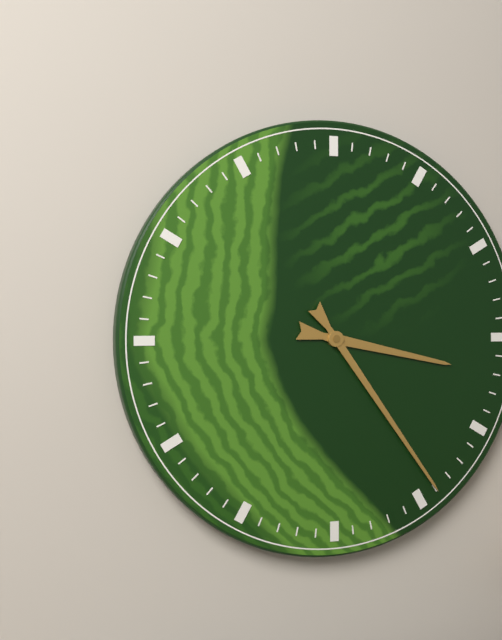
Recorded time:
3,24
